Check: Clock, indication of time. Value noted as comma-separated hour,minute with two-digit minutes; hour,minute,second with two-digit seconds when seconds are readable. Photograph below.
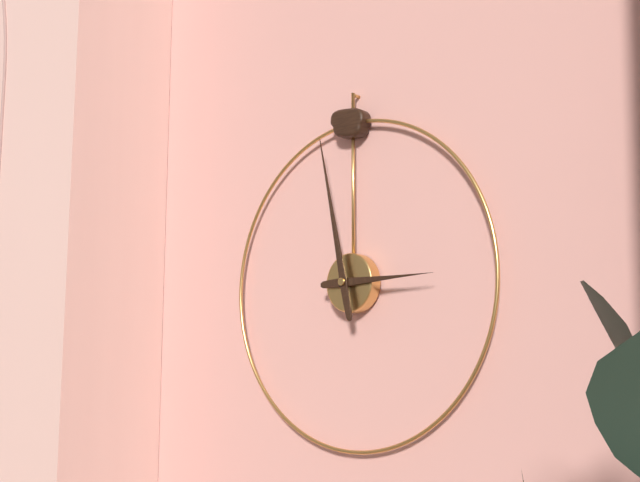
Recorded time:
2,58
